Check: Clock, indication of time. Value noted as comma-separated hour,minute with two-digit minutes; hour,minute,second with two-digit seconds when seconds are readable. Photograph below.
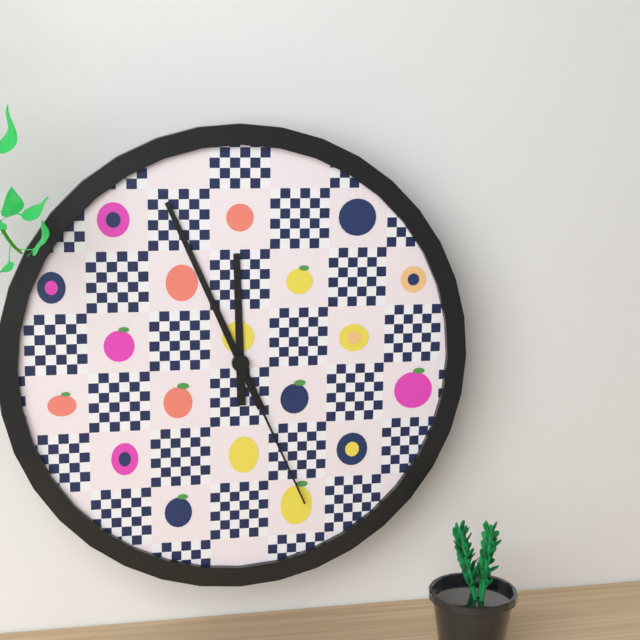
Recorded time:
11,56,26
